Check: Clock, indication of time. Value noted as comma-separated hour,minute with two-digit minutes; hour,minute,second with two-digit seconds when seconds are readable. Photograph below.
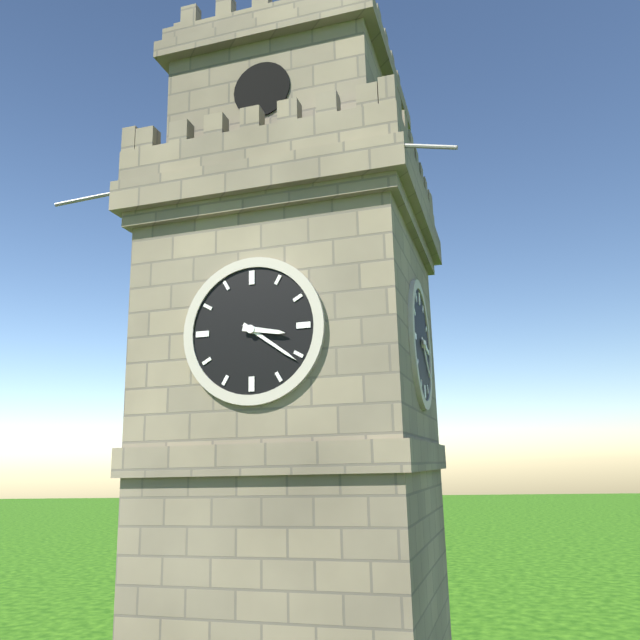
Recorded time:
3,21
